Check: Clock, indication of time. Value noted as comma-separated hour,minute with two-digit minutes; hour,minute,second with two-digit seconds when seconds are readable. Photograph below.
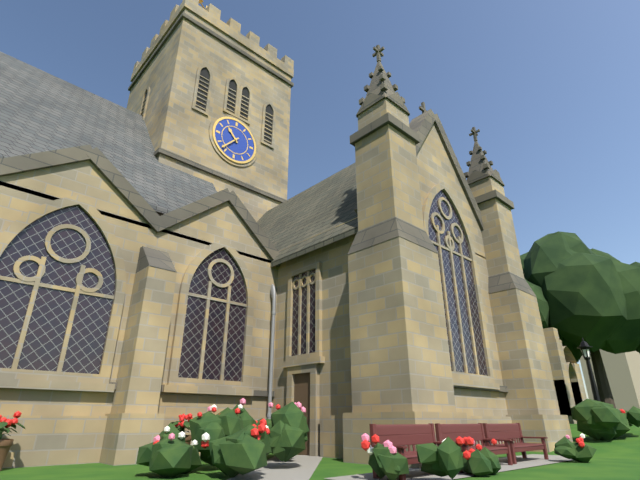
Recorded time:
10,37
